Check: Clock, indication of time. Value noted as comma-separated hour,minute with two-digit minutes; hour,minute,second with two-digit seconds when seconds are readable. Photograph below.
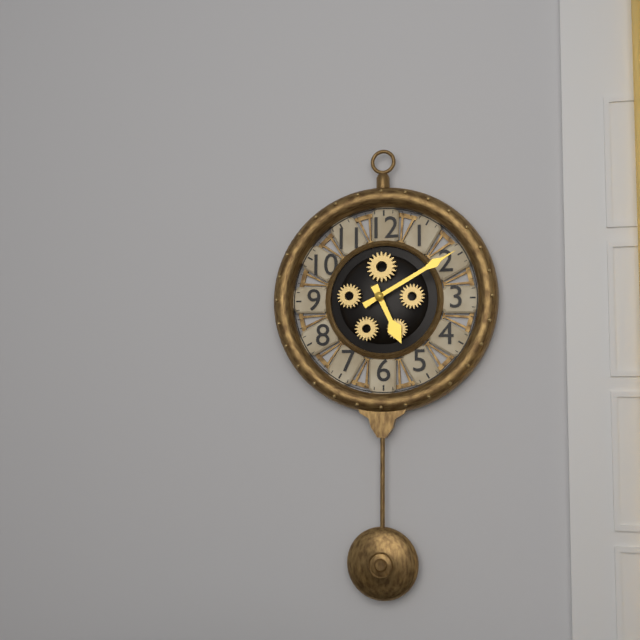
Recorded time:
5,10
